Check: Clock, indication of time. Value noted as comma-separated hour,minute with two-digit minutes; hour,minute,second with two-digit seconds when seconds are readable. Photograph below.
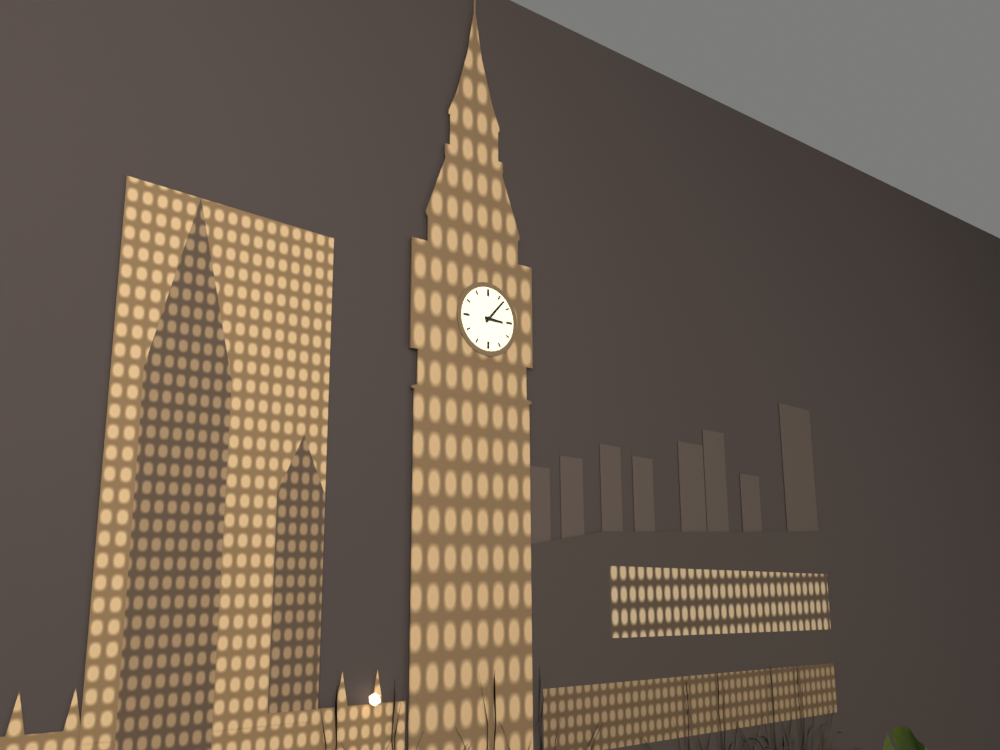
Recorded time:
3,07
